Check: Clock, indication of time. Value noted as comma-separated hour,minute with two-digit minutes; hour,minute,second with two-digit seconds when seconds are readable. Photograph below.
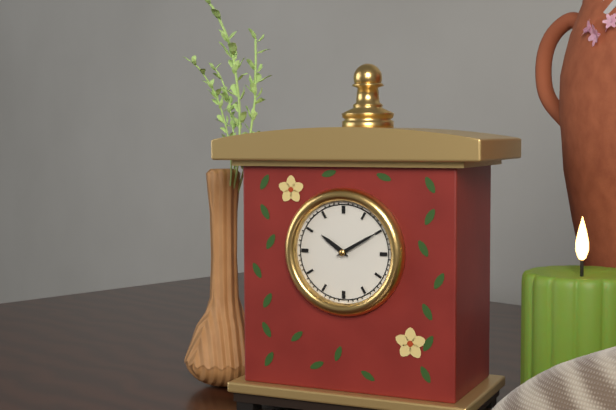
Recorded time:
10,10
